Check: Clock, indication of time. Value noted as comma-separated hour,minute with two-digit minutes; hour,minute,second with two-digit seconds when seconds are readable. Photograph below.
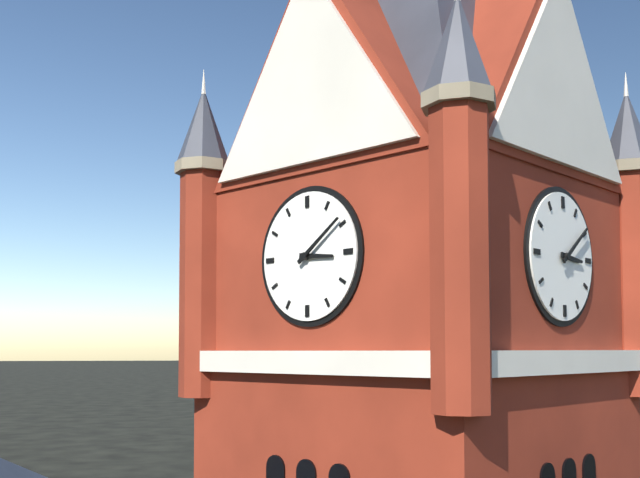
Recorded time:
3,09
